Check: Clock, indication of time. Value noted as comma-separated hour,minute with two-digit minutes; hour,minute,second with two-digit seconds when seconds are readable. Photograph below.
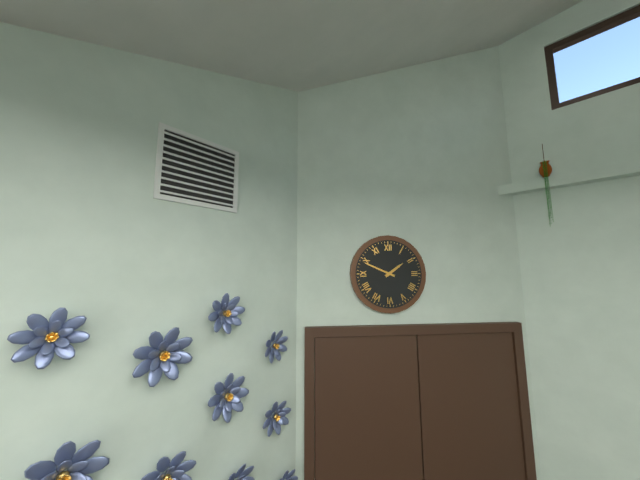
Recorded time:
1,49
